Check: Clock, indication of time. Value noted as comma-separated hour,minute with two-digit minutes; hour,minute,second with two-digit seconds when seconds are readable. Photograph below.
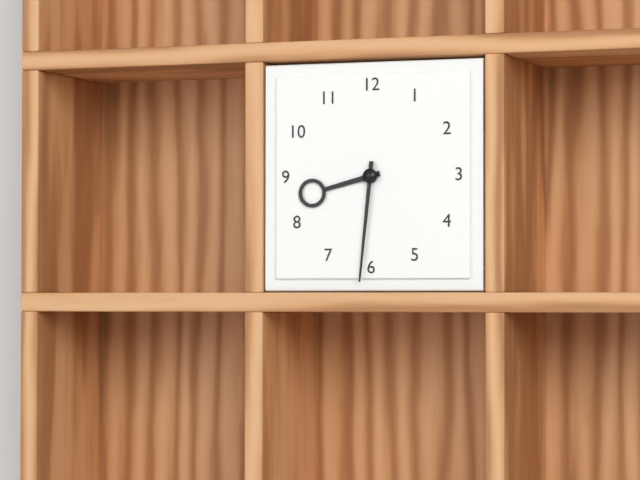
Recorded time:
8,31
